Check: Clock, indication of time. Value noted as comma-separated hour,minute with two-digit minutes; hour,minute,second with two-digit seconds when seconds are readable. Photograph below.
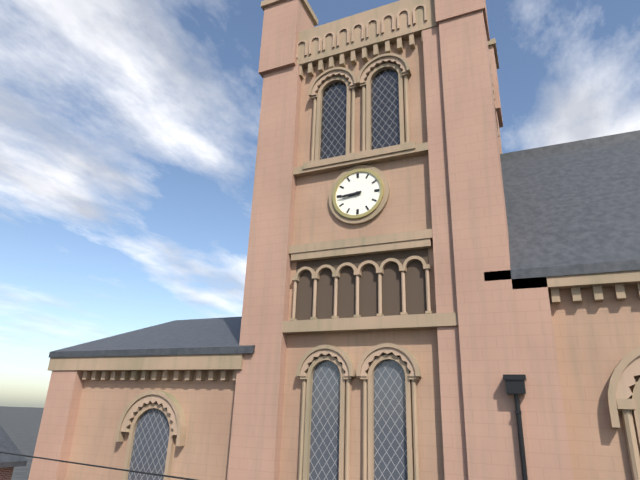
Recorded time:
8,44
